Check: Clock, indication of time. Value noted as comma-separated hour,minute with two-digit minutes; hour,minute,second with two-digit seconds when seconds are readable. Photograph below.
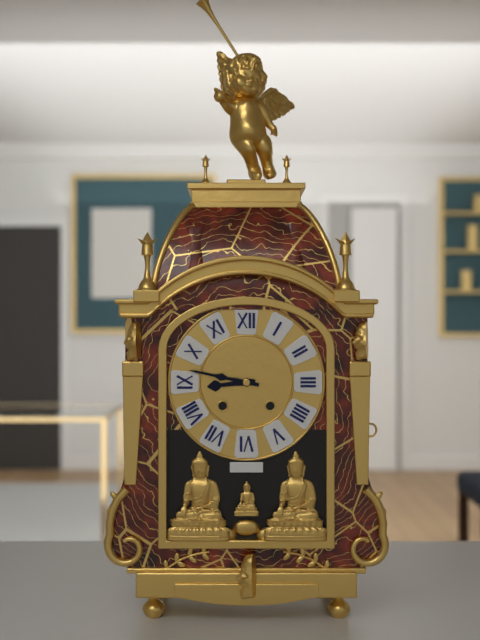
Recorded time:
8,47
